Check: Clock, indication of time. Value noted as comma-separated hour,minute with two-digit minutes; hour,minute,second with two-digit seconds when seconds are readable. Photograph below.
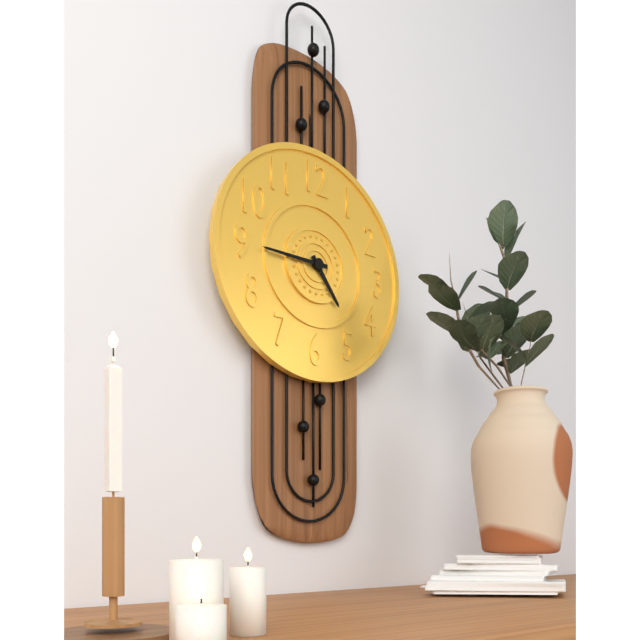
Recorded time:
4,45
